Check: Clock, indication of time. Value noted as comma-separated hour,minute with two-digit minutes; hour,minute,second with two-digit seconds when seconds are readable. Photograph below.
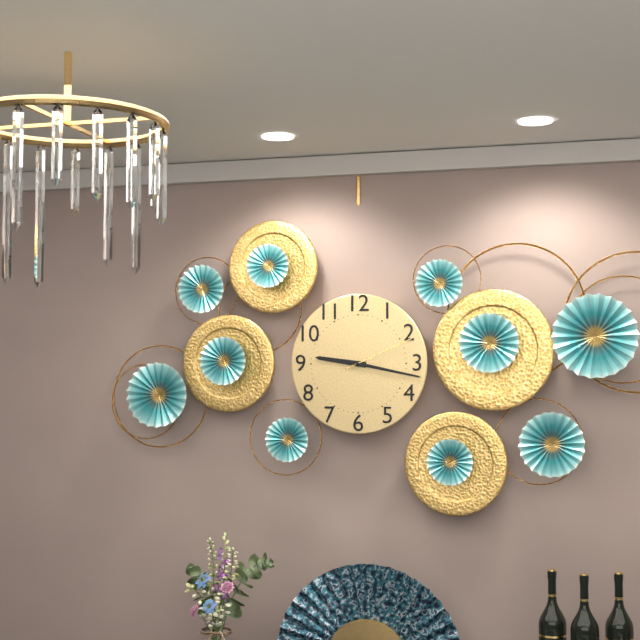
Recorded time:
9,17,11
